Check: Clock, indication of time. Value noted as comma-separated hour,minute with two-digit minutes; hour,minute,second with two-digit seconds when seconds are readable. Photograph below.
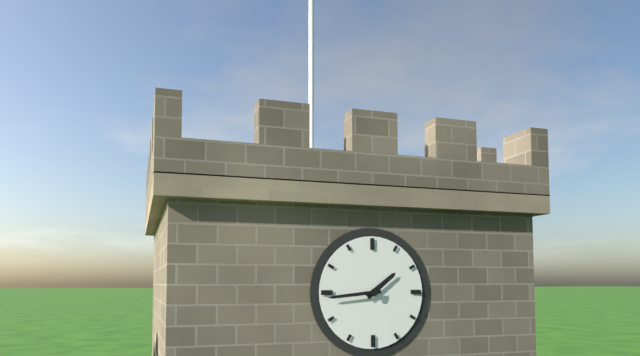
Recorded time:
1,44
